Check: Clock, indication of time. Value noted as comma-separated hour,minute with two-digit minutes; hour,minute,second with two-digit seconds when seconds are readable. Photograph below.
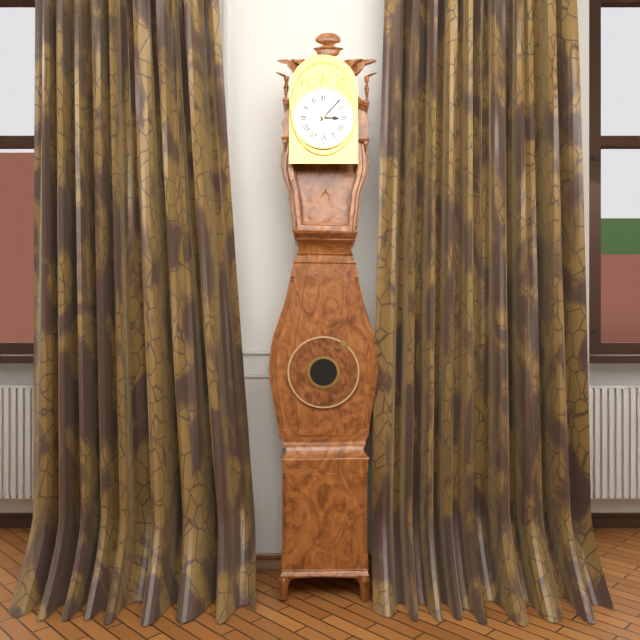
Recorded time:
3,07
